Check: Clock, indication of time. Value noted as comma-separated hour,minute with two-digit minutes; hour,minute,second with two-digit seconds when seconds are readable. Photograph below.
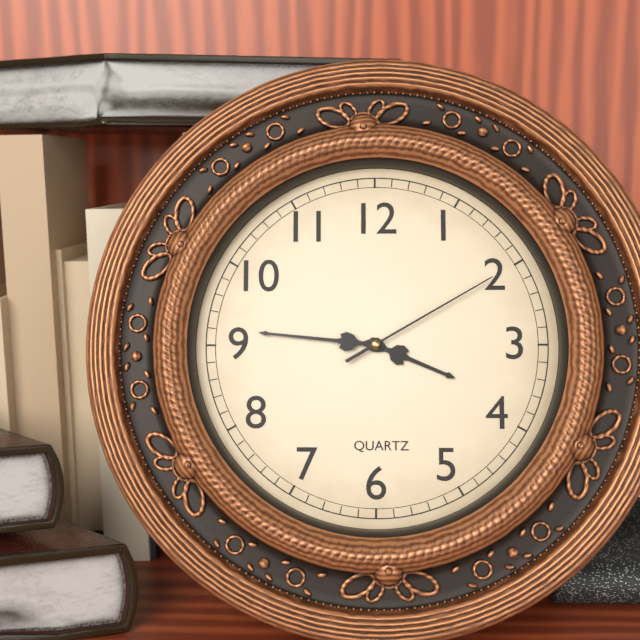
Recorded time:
3,46,10
